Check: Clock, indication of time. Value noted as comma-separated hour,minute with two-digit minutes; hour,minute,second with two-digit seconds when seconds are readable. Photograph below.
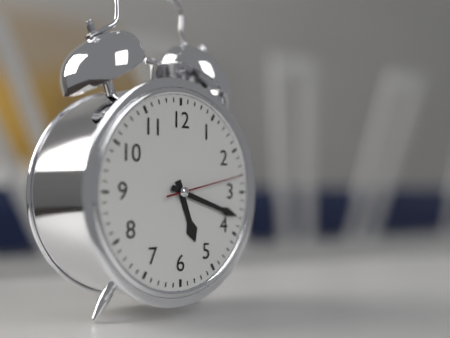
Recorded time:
5,18,13
